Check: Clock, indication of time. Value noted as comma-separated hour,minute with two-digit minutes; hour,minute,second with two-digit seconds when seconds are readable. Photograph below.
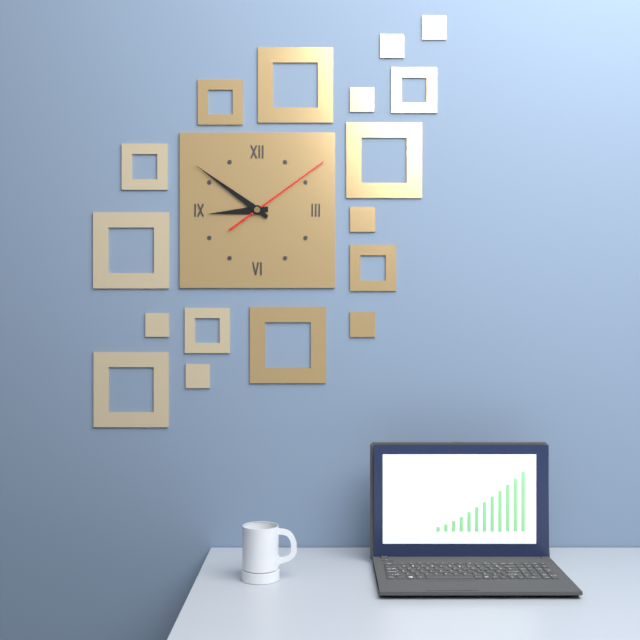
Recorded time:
8,51,09
